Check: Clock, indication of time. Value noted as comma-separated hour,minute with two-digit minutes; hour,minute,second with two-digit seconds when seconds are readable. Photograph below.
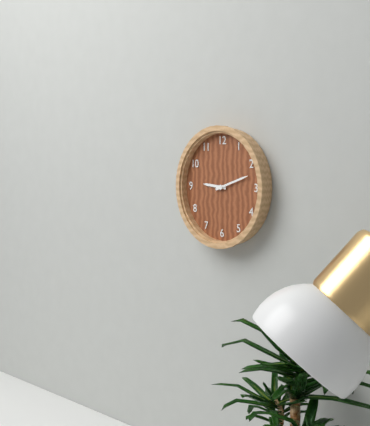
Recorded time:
9,12
